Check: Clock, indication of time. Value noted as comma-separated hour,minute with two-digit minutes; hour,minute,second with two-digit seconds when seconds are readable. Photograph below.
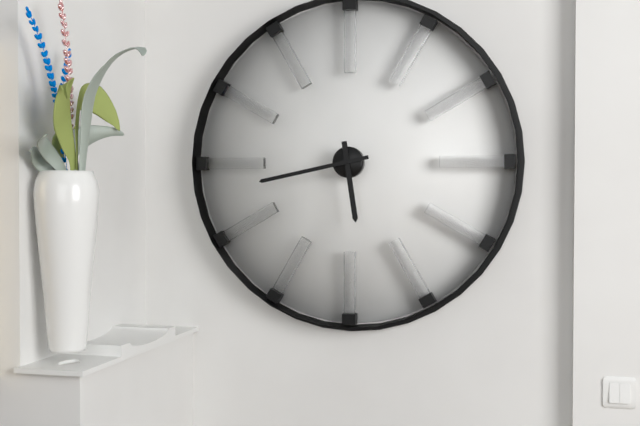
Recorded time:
5,43
